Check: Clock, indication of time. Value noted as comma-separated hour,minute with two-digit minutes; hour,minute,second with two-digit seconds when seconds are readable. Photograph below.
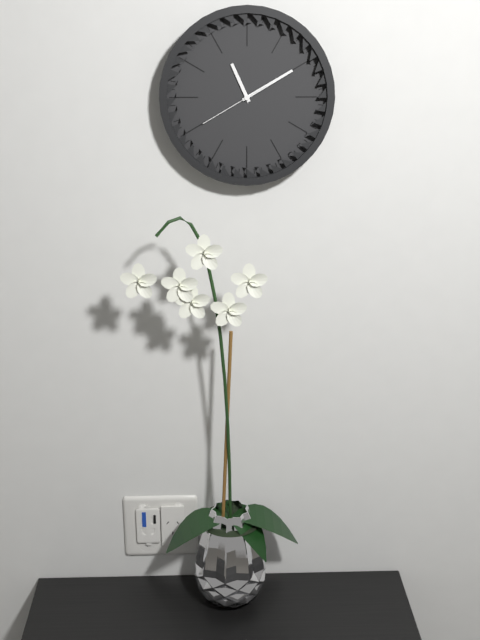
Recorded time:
11,10,40
